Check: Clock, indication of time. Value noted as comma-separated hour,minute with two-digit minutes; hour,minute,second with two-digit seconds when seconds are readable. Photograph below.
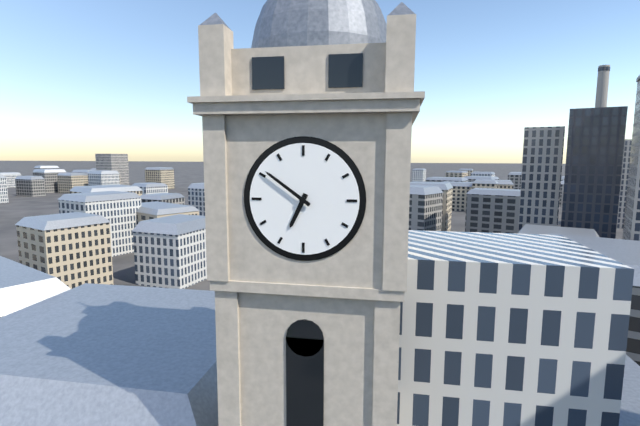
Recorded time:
6,51
